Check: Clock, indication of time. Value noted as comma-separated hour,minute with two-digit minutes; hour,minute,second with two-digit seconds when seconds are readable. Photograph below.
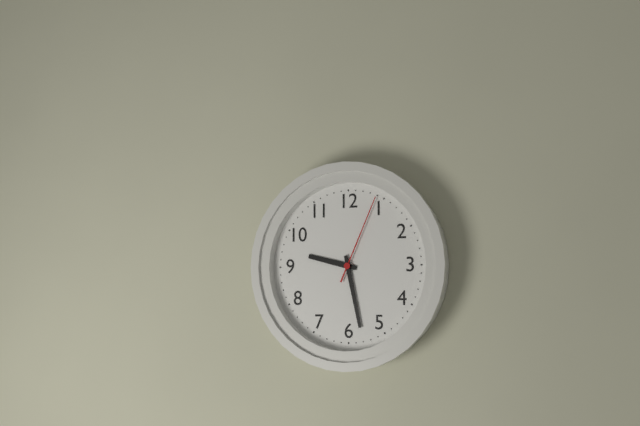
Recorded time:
9,28,04
